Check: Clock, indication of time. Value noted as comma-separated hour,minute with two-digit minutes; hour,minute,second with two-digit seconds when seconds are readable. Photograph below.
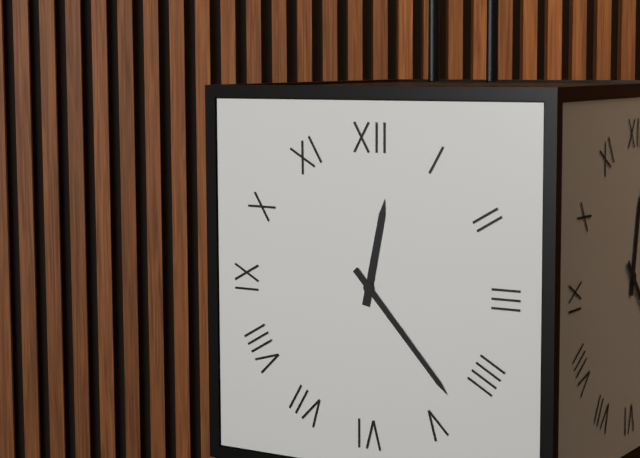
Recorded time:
12,23
